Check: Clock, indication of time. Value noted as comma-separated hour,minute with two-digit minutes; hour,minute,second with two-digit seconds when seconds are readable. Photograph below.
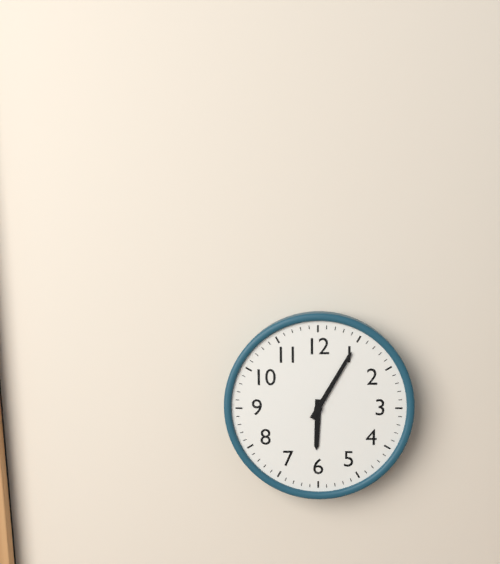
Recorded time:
6,05
